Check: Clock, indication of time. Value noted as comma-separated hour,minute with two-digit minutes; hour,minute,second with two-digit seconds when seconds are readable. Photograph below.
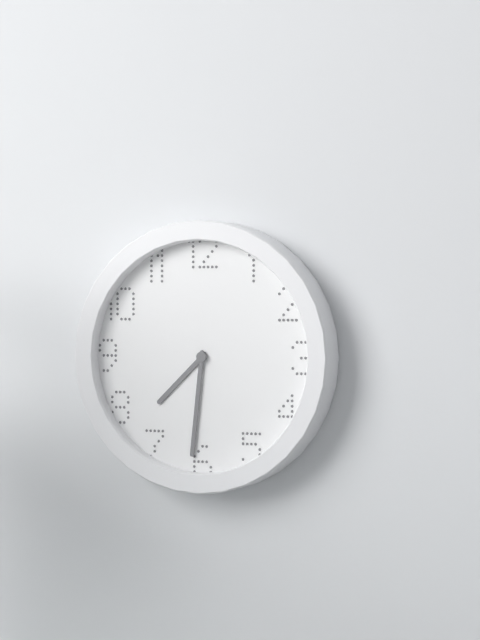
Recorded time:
7,31
